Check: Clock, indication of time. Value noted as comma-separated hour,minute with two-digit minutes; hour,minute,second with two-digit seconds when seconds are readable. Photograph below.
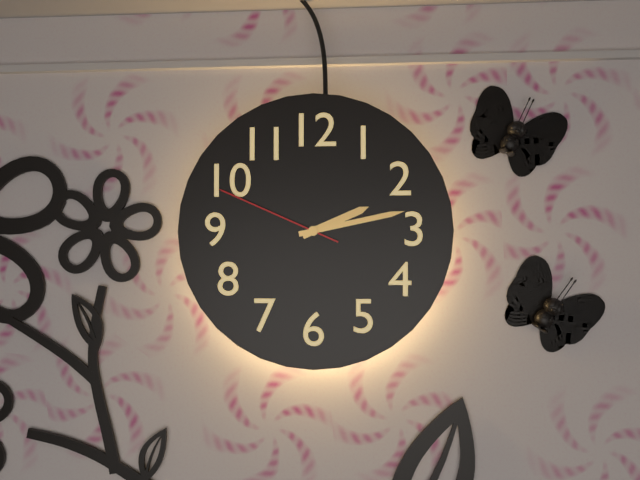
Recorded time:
2,13,49
